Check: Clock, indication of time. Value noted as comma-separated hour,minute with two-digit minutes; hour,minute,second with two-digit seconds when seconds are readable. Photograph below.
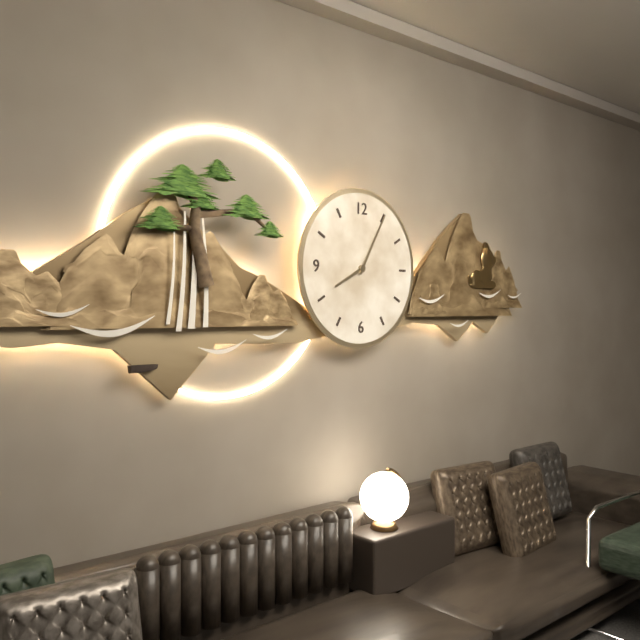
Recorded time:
8,05
